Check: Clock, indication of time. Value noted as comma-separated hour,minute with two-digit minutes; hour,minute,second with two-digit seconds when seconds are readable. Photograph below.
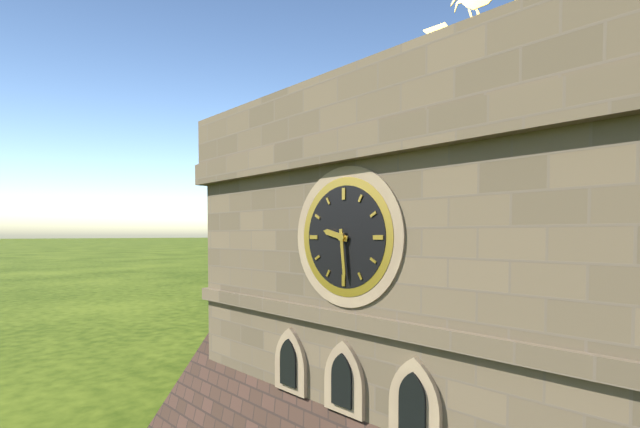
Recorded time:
9,29
